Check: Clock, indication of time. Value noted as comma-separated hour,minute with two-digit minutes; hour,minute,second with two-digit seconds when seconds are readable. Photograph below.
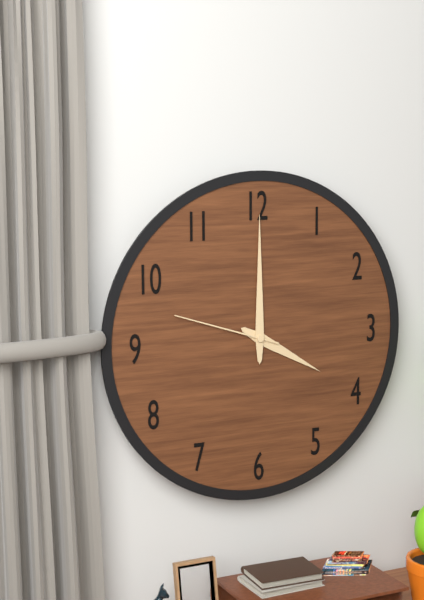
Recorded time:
4,00,48
